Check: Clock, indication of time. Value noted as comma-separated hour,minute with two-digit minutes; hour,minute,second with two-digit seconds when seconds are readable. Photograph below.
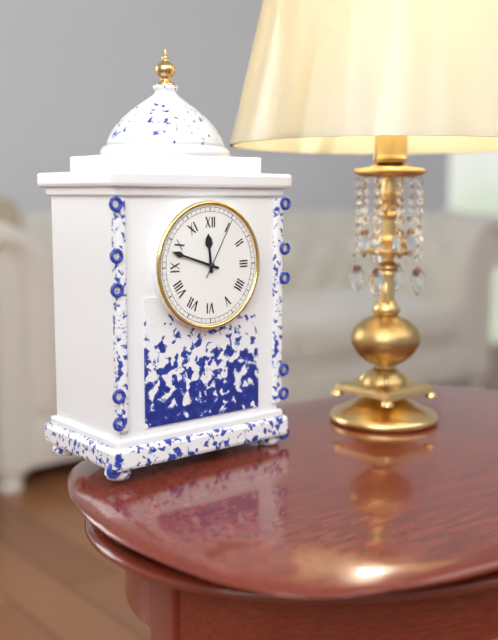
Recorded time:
11,48,05
